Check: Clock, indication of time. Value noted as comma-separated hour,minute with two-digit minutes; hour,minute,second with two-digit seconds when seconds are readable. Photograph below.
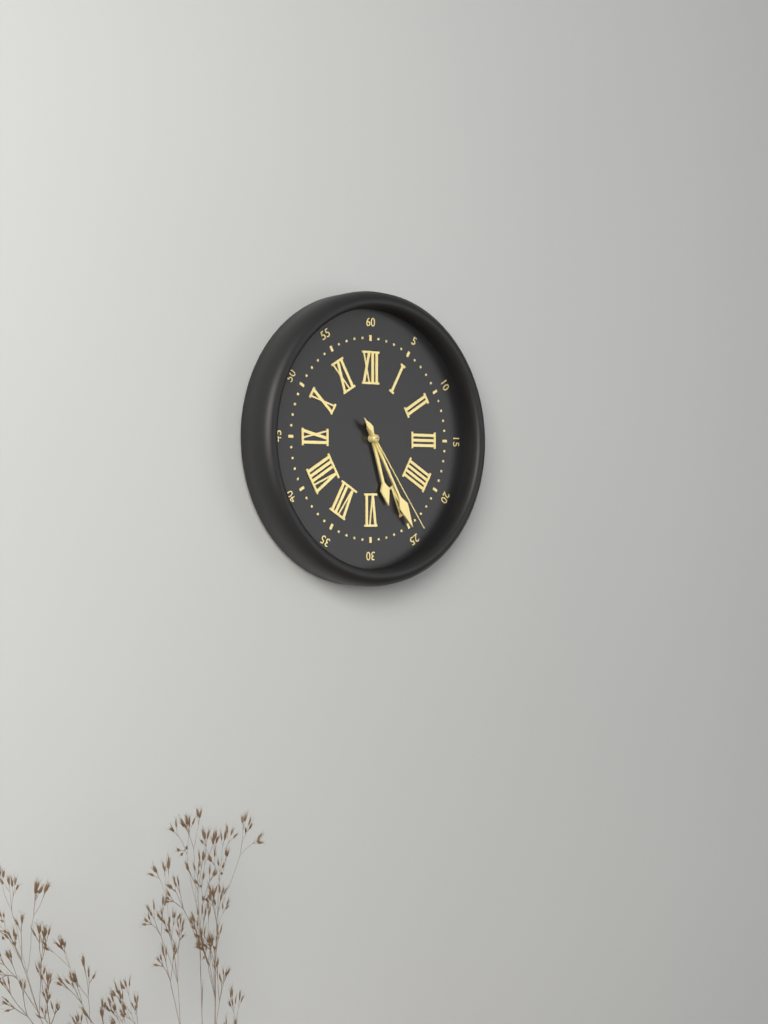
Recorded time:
5,25,24
